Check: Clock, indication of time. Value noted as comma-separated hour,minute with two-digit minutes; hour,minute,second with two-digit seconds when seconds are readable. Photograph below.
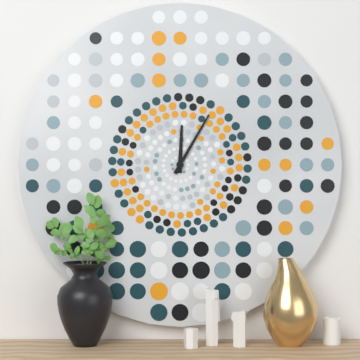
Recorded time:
12,05
